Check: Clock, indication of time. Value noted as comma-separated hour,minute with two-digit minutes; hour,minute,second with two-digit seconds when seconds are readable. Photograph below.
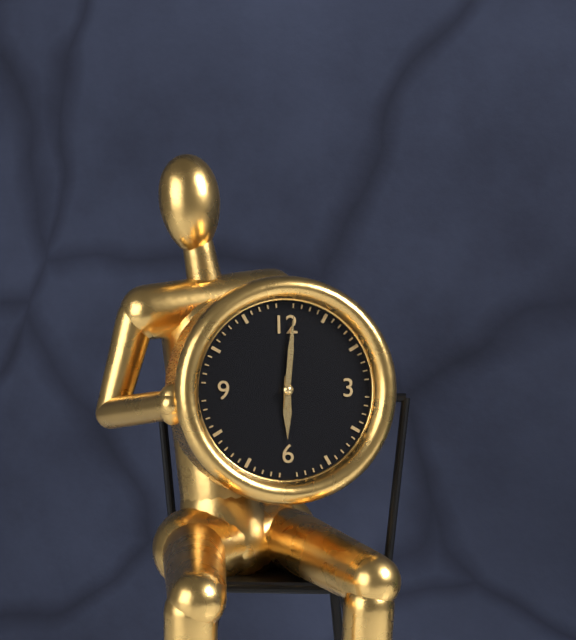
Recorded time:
6,01
